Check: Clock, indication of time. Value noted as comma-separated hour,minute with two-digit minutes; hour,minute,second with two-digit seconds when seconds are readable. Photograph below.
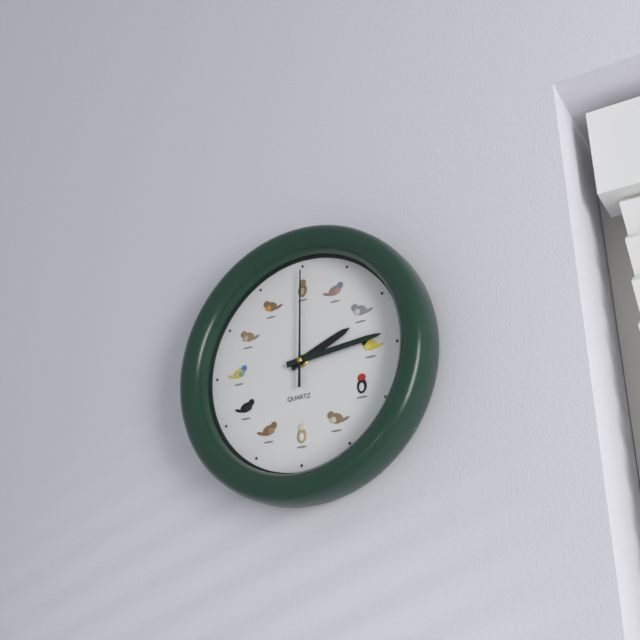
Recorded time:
2,14,00
